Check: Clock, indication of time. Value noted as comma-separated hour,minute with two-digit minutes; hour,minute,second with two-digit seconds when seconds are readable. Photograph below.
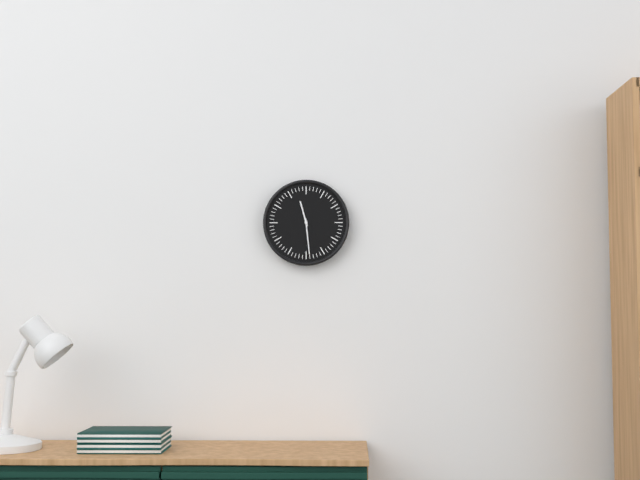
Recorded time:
11,29
